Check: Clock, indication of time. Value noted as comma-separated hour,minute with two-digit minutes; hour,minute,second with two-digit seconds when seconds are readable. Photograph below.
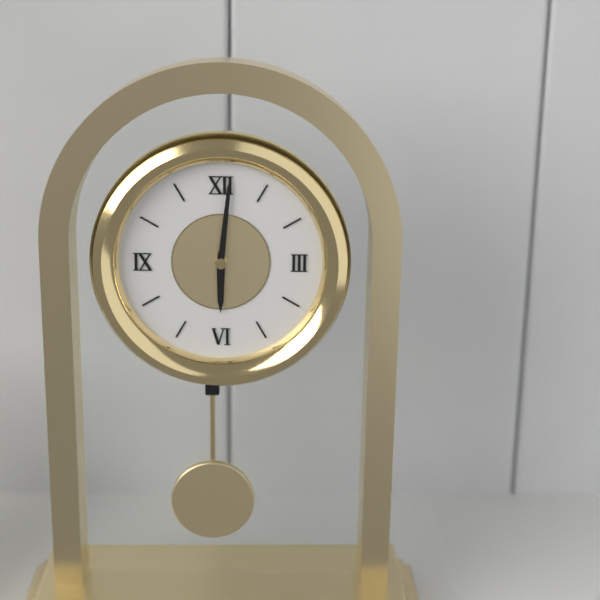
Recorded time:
6,01
